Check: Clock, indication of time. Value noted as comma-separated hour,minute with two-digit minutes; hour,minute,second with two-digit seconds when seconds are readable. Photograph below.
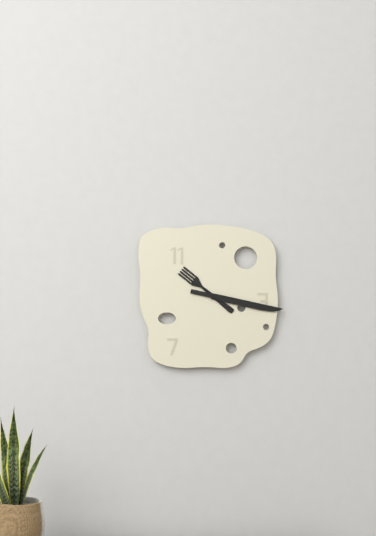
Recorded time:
10,17
